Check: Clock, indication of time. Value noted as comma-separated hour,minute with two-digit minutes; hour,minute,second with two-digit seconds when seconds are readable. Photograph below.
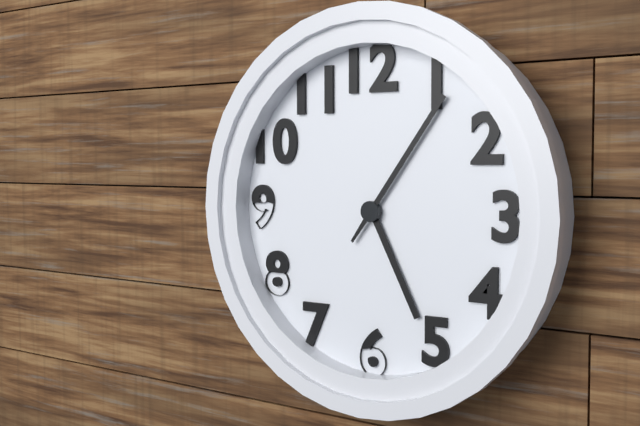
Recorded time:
5,06
